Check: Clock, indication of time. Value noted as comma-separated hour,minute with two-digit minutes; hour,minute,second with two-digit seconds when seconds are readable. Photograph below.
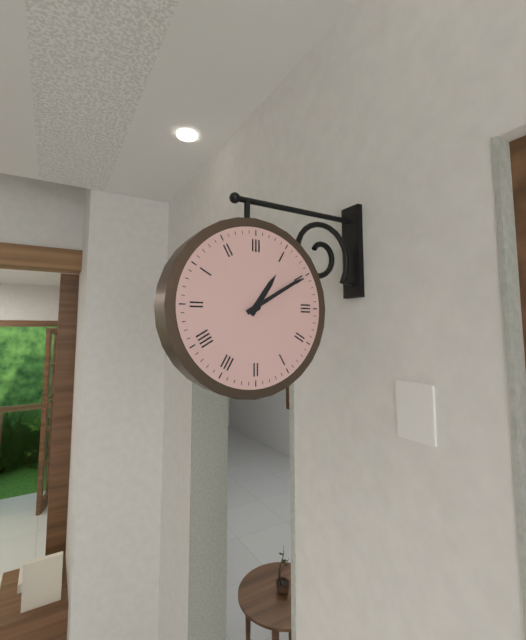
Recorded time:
1,10
